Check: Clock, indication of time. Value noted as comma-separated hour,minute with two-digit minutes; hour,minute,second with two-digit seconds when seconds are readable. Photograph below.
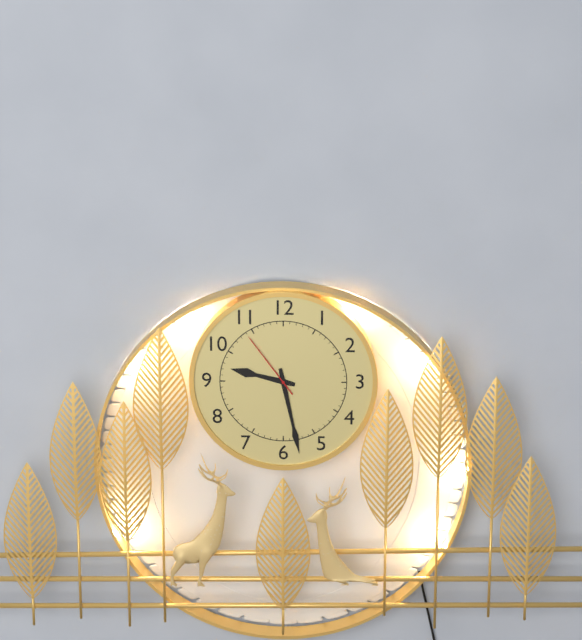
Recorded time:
9,28,54
